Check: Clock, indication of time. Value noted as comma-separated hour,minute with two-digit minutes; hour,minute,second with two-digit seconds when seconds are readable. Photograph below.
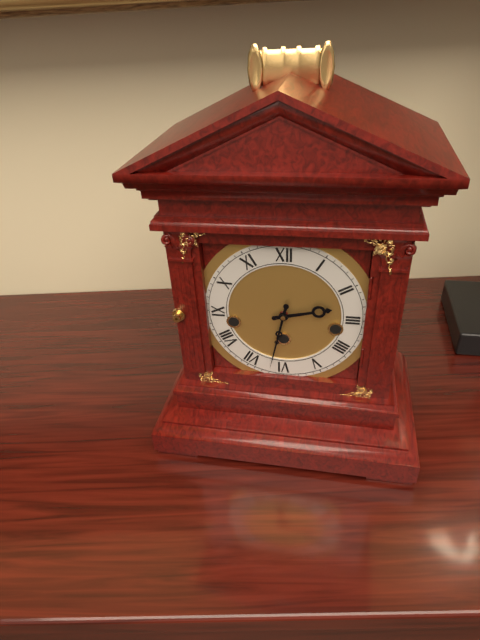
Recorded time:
2,32
